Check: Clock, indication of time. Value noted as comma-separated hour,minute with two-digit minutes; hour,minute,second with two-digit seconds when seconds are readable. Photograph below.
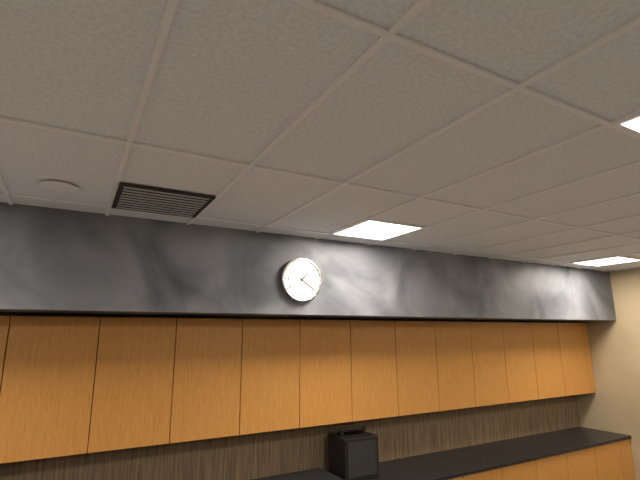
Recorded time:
1,21
